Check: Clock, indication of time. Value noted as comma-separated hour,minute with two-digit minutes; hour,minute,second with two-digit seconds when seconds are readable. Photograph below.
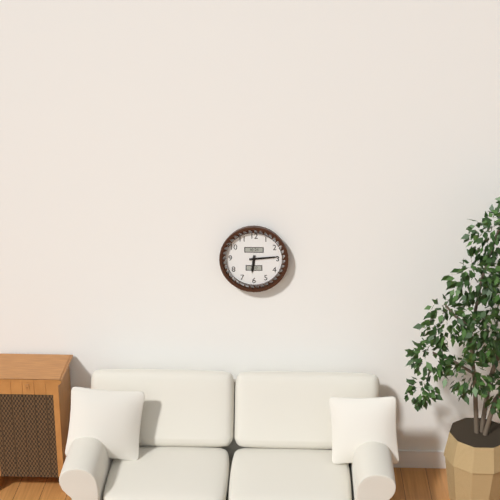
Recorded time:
6,14
